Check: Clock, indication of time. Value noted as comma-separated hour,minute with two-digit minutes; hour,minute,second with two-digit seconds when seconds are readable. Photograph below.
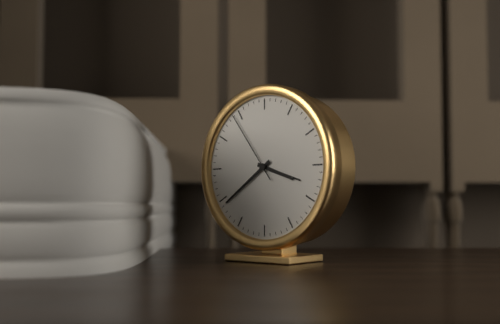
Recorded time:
3,39,54
